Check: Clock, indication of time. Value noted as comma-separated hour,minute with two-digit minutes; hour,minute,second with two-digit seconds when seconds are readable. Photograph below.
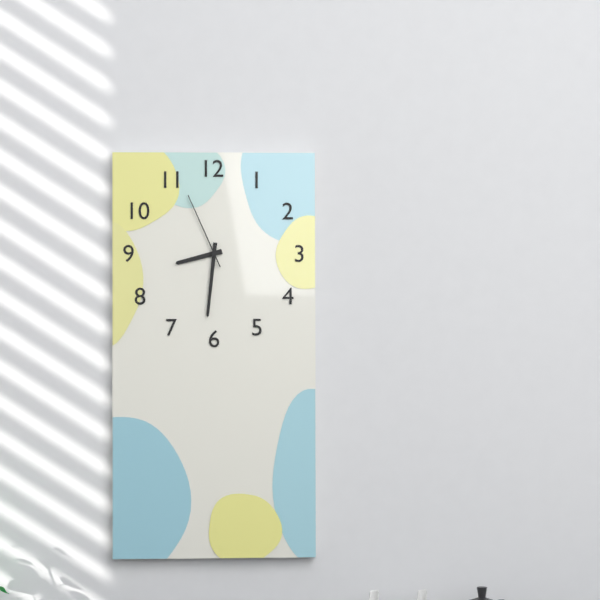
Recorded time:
8,31,56
